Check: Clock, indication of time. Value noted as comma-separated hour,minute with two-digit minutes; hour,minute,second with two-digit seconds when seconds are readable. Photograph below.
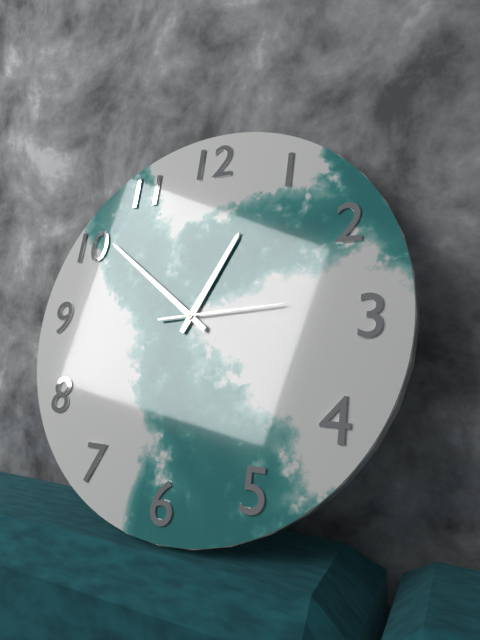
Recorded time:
12,51,14
